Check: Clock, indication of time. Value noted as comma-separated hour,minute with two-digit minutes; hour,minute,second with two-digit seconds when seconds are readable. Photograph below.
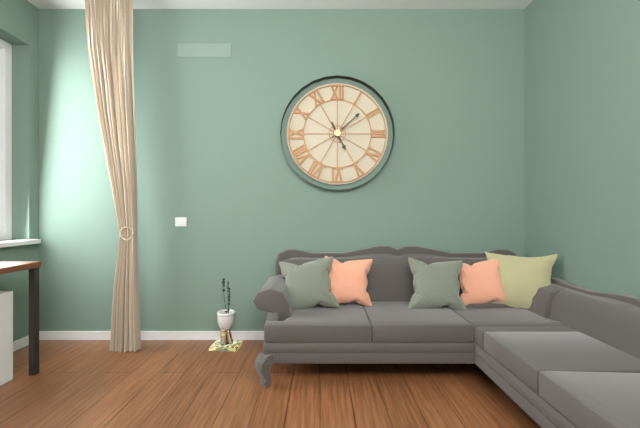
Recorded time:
5,08
